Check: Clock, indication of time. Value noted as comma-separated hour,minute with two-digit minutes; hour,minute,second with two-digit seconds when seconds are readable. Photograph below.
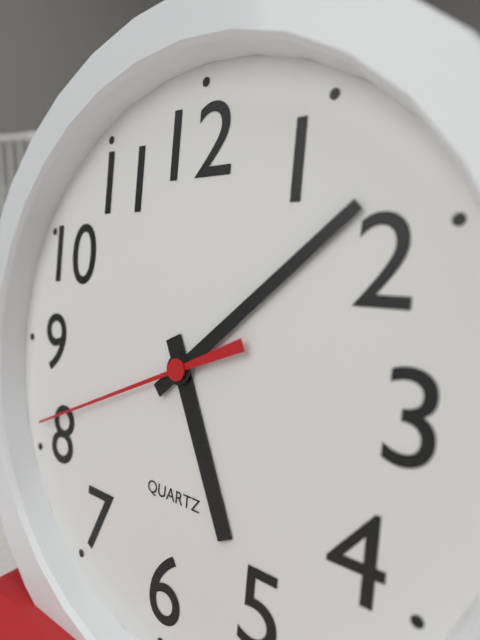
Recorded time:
5,08,41
